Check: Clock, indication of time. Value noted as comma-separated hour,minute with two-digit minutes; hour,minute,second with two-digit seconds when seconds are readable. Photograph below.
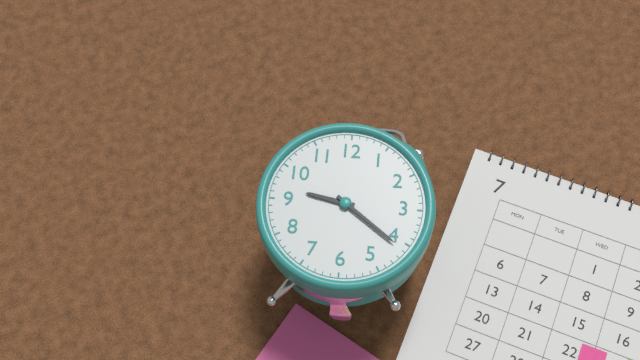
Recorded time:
9,21
